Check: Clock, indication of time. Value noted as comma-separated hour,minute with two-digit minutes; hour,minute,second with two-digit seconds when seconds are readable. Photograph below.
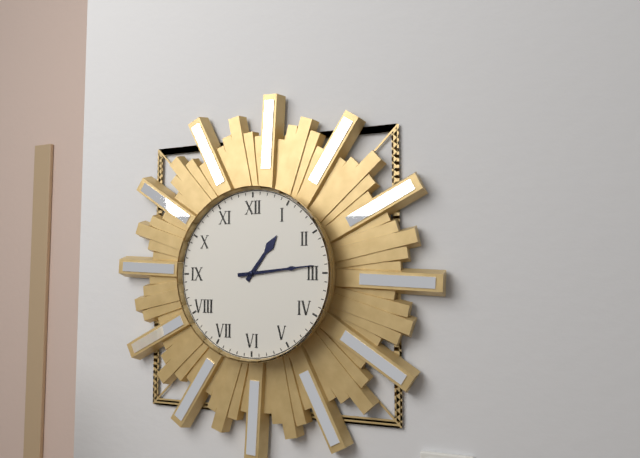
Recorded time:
1,14
